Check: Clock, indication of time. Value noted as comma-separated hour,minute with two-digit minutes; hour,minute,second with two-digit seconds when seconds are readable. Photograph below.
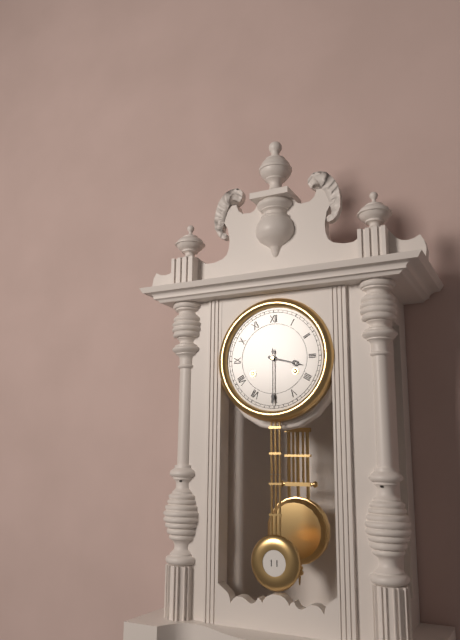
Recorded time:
3,30
